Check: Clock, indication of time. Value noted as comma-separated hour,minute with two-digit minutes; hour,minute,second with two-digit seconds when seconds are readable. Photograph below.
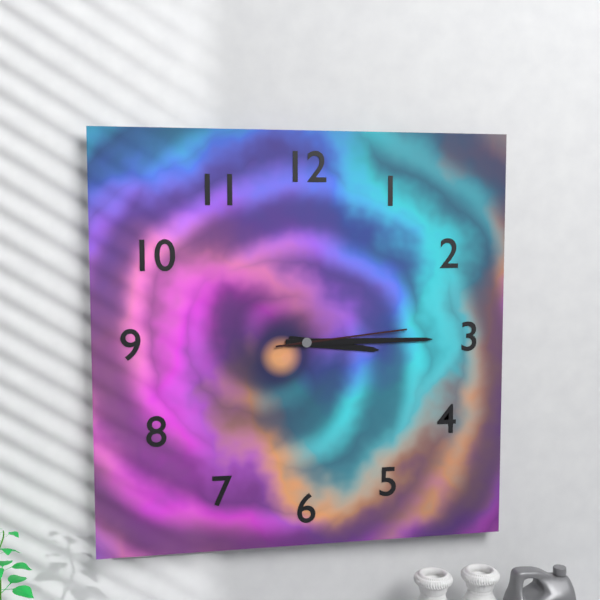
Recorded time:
3,15,14
